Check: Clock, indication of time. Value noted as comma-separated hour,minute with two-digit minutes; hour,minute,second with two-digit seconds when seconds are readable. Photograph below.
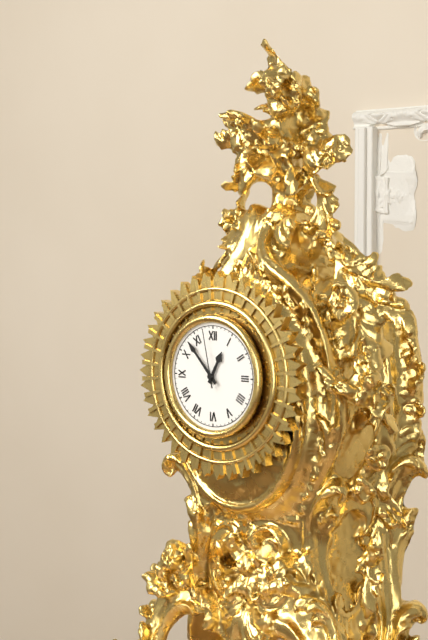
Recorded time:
12,53,58
